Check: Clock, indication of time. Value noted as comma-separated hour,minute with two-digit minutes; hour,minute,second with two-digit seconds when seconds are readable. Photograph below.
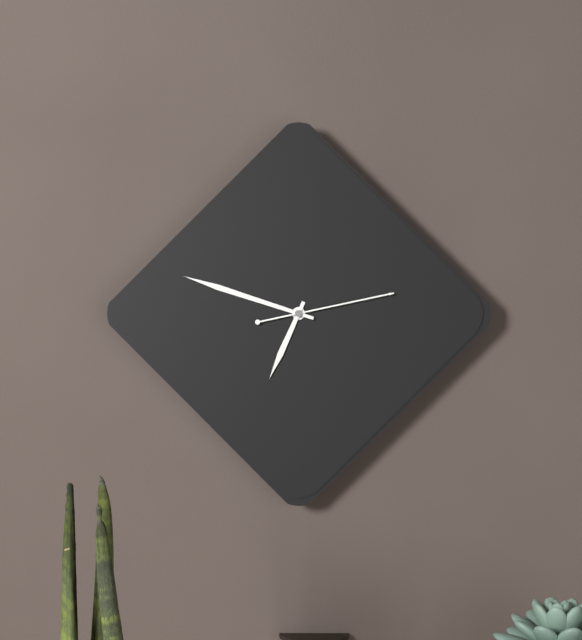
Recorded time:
6,48,13
